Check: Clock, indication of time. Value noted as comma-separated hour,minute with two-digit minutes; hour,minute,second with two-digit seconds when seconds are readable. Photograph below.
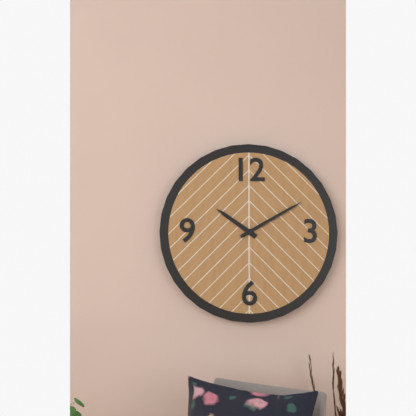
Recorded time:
10,10
